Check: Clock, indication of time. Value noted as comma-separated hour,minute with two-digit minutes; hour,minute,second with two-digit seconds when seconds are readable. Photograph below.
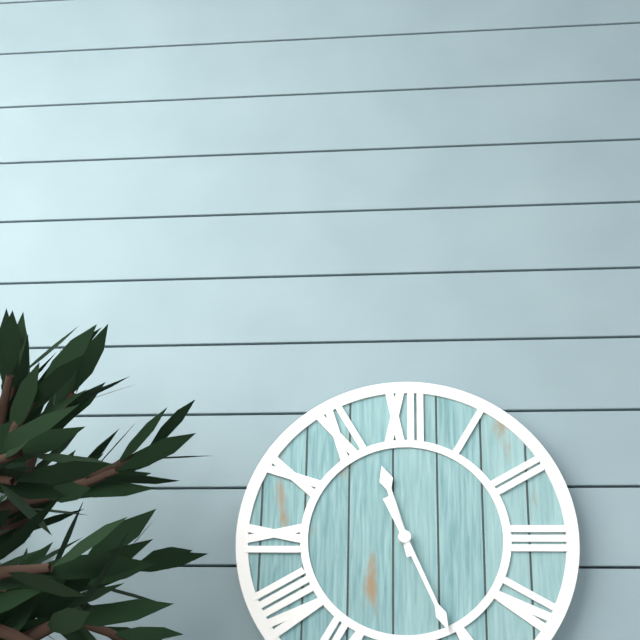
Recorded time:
11,26
